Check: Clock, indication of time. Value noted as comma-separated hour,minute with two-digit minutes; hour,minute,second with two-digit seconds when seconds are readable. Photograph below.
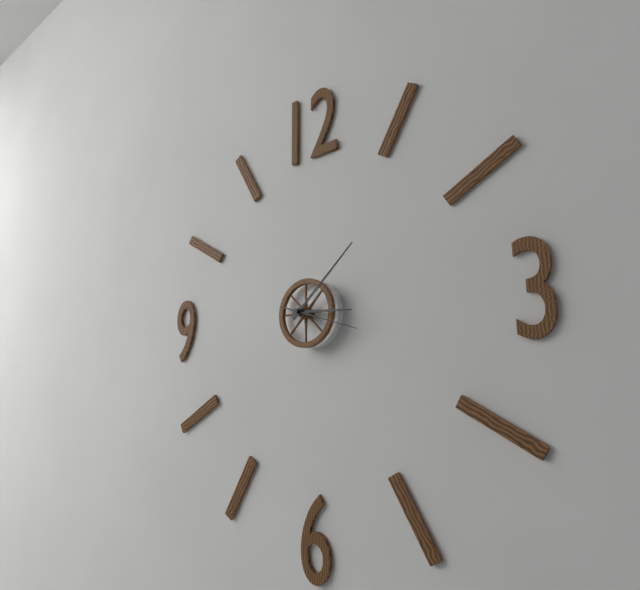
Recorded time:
3,08,18
